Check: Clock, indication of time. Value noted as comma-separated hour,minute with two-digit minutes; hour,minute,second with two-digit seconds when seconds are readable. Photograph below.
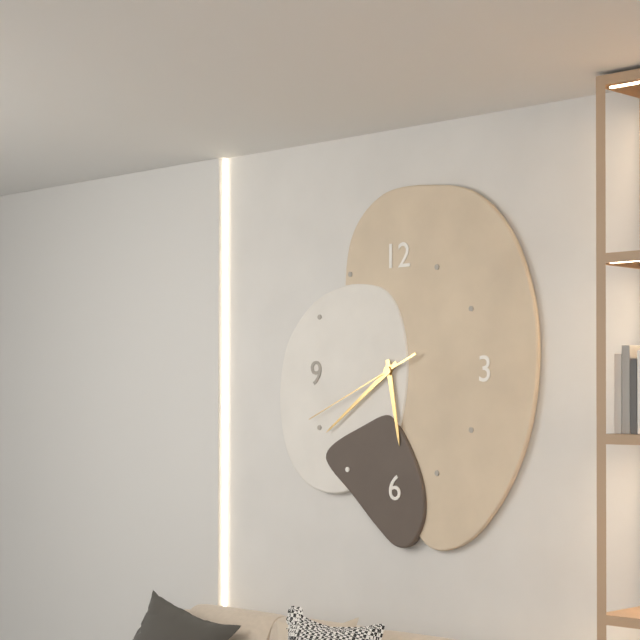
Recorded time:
5,39,41
